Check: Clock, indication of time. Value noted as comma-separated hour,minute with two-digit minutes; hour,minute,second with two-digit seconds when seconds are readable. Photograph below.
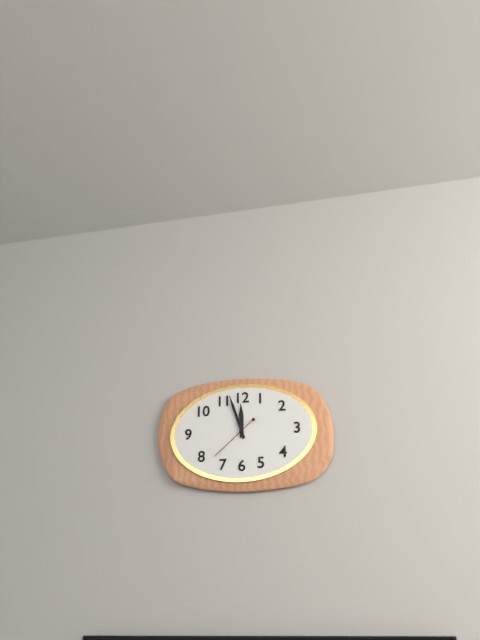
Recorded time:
11,57
